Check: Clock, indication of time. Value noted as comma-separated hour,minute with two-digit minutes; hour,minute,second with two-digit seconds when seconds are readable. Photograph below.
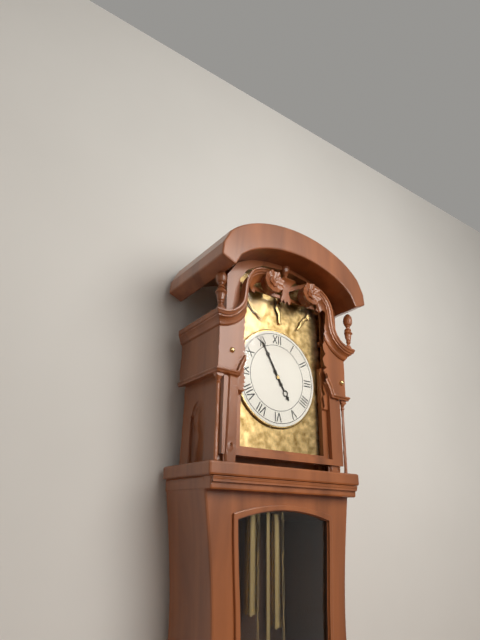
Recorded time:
4,55
